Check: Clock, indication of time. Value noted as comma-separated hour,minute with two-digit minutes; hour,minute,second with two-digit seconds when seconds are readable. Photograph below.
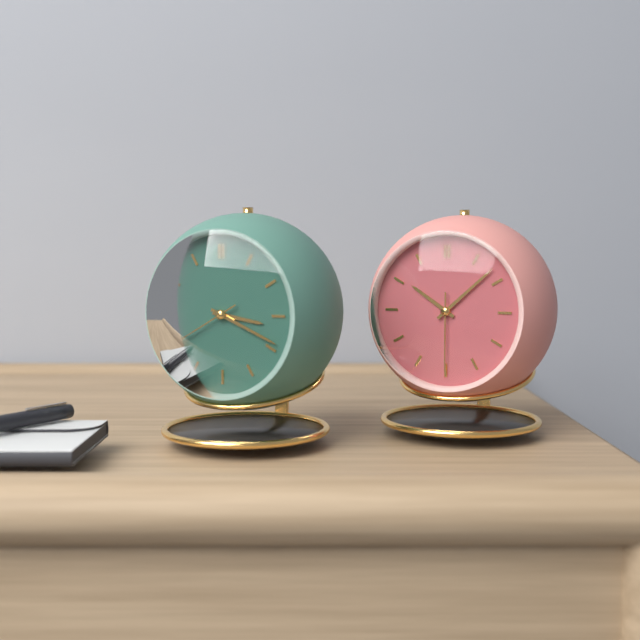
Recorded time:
3,19,40
